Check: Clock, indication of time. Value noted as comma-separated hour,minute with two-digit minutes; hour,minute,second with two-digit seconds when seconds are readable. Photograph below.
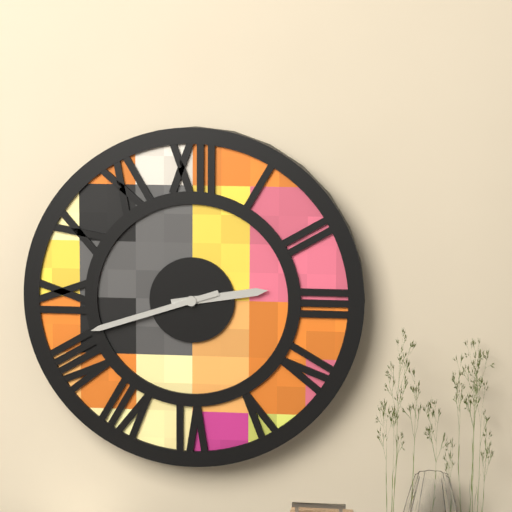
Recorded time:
2,42
